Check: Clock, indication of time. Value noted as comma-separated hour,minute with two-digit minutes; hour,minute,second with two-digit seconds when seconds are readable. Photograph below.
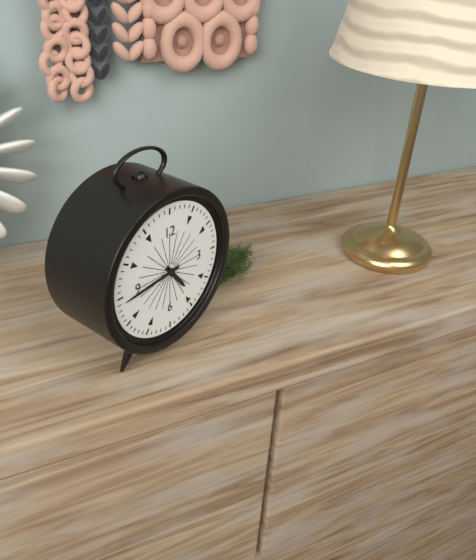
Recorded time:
4,44
